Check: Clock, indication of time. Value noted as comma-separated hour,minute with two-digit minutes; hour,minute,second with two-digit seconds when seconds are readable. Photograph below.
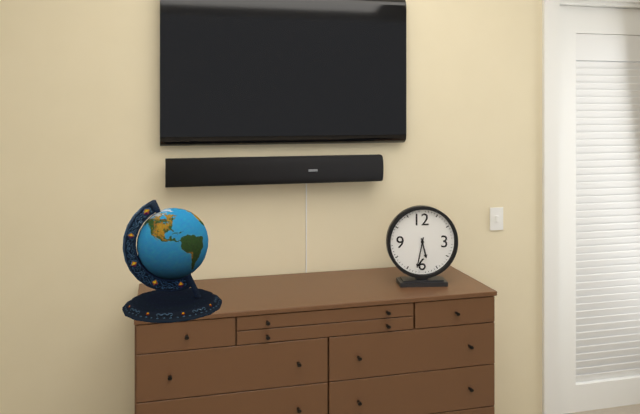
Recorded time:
5,32
